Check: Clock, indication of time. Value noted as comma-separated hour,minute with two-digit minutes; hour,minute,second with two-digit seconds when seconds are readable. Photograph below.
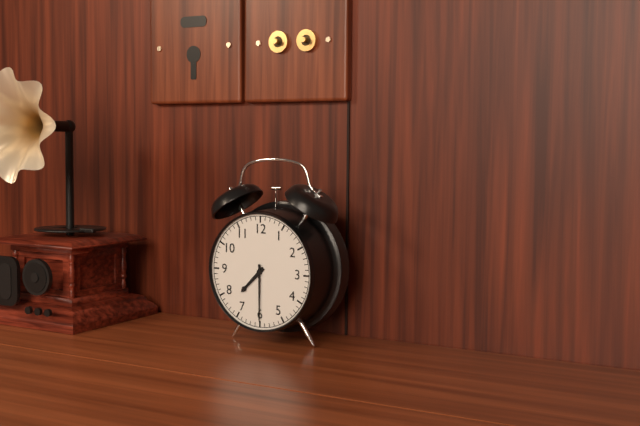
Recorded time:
7,30
